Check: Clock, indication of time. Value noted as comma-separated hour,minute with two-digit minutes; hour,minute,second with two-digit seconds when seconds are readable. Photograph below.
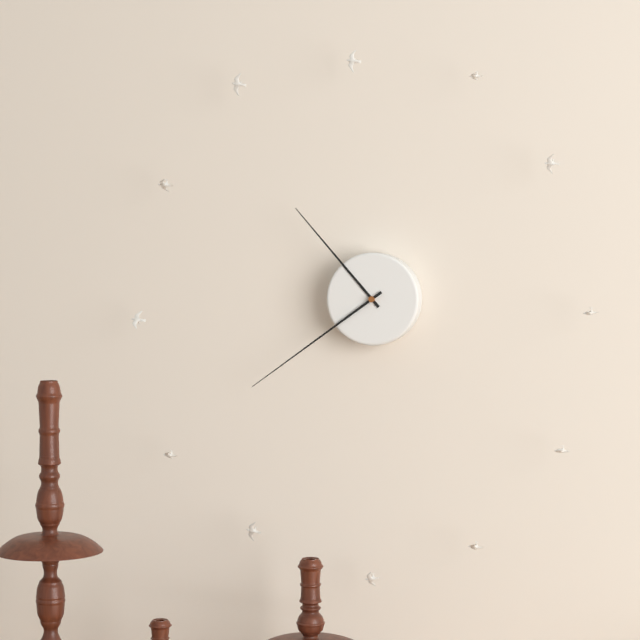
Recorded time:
10,39
